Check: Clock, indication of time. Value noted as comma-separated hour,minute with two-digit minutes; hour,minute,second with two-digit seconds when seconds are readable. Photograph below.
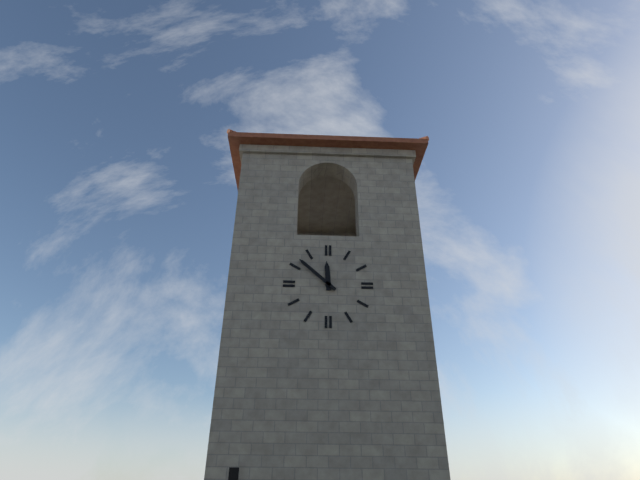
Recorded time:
11,52
